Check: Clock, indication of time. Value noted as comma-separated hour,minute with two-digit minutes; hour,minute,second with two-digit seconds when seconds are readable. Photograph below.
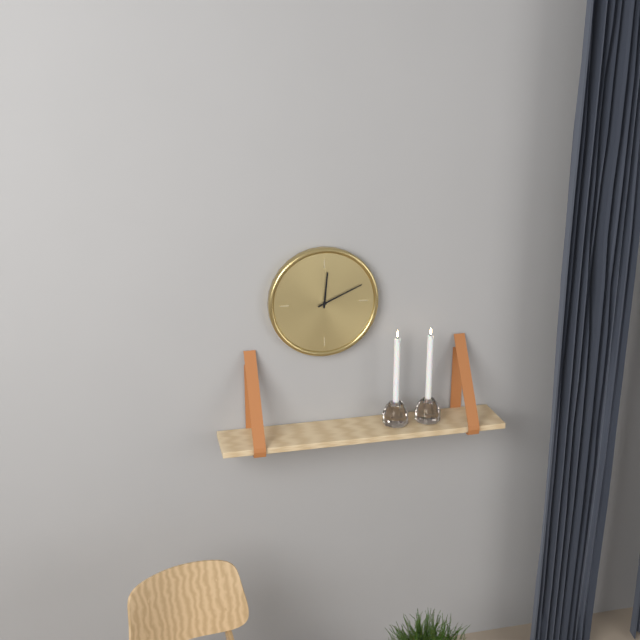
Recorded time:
12,11
